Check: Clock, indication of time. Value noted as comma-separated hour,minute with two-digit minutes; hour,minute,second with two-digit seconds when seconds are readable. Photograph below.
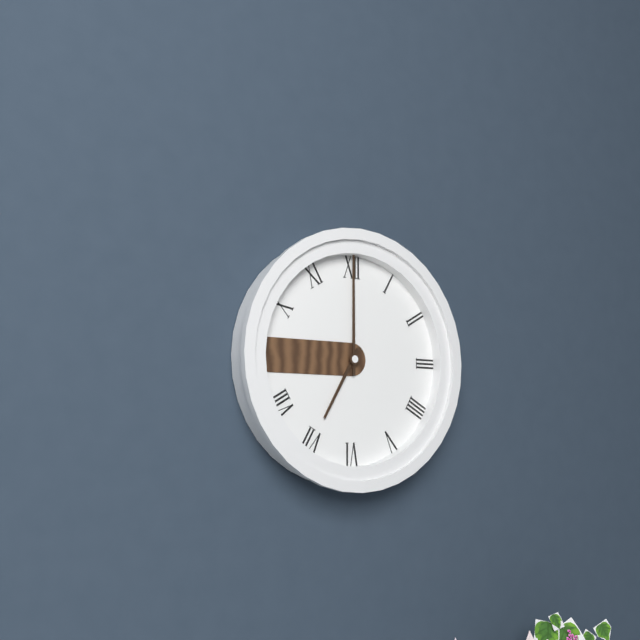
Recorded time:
7,00
